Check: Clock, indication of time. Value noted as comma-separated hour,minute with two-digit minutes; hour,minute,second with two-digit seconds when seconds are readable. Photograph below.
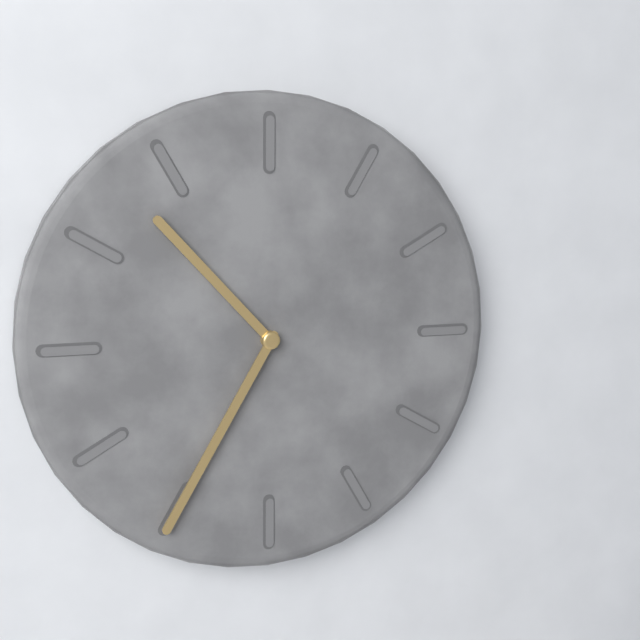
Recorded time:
10,35
